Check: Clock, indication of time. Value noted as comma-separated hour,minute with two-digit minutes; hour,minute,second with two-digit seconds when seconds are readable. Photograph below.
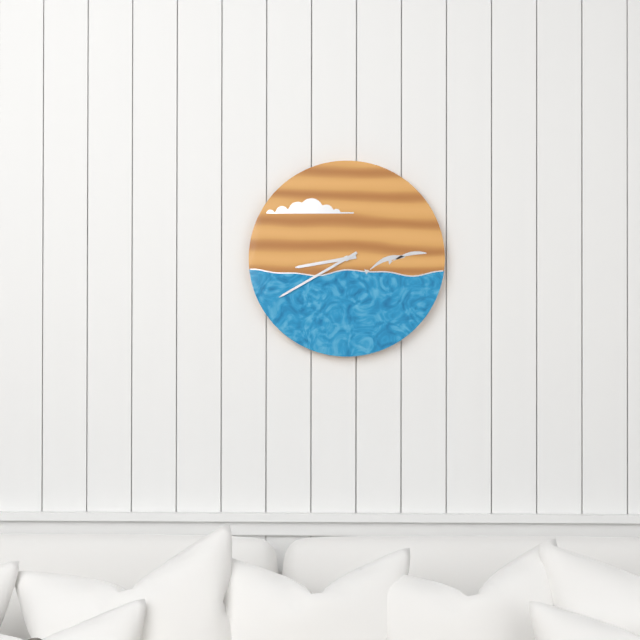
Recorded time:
8,40
